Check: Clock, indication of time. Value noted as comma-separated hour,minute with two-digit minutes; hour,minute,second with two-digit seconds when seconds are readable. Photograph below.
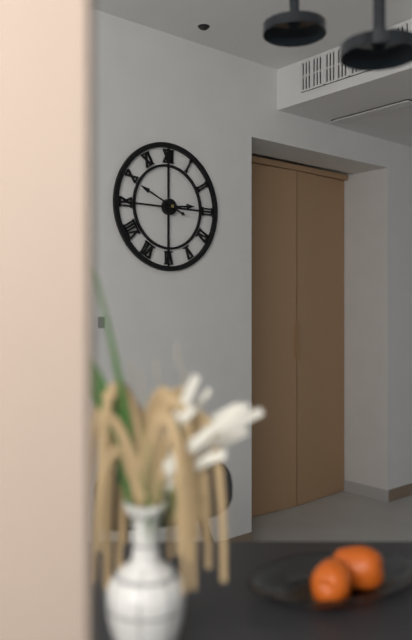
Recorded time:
2,49
